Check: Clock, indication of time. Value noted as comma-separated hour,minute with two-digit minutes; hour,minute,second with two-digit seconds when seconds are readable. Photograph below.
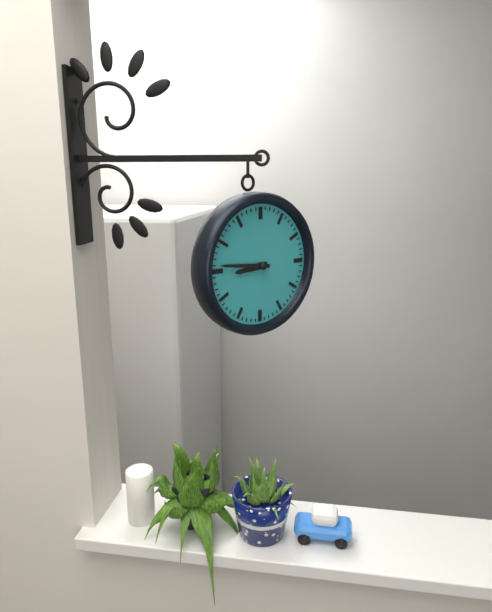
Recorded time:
8,46
